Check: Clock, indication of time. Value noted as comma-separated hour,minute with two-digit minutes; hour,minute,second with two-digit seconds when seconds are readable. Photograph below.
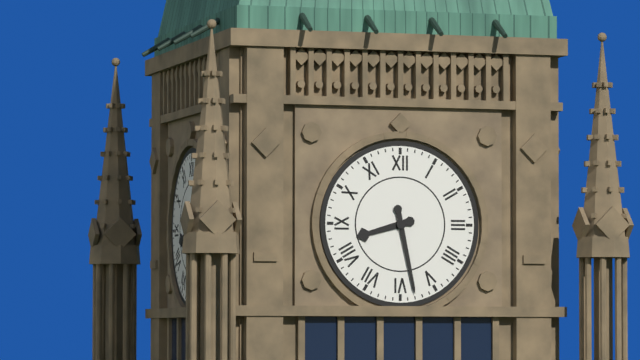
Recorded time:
8,28
